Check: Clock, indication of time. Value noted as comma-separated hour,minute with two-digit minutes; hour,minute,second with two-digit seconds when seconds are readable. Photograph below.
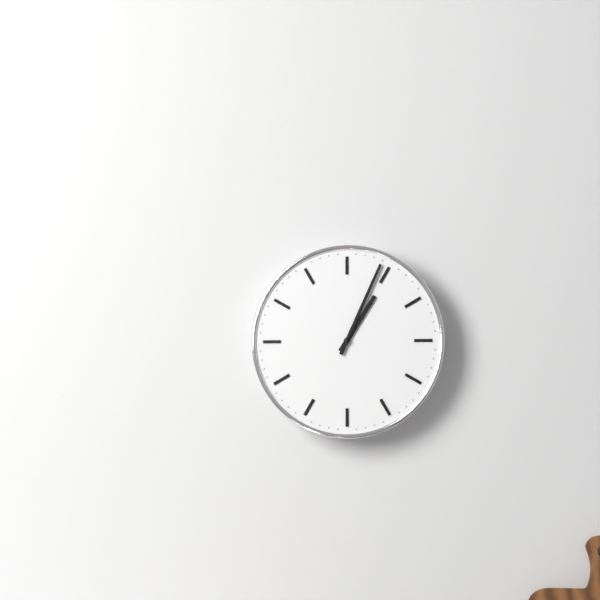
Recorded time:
1,04
